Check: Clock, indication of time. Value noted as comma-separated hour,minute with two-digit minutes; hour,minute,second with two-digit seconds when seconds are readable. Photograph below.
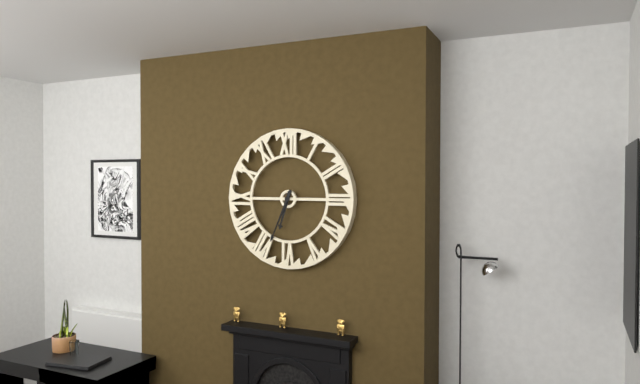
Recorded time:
6,34
